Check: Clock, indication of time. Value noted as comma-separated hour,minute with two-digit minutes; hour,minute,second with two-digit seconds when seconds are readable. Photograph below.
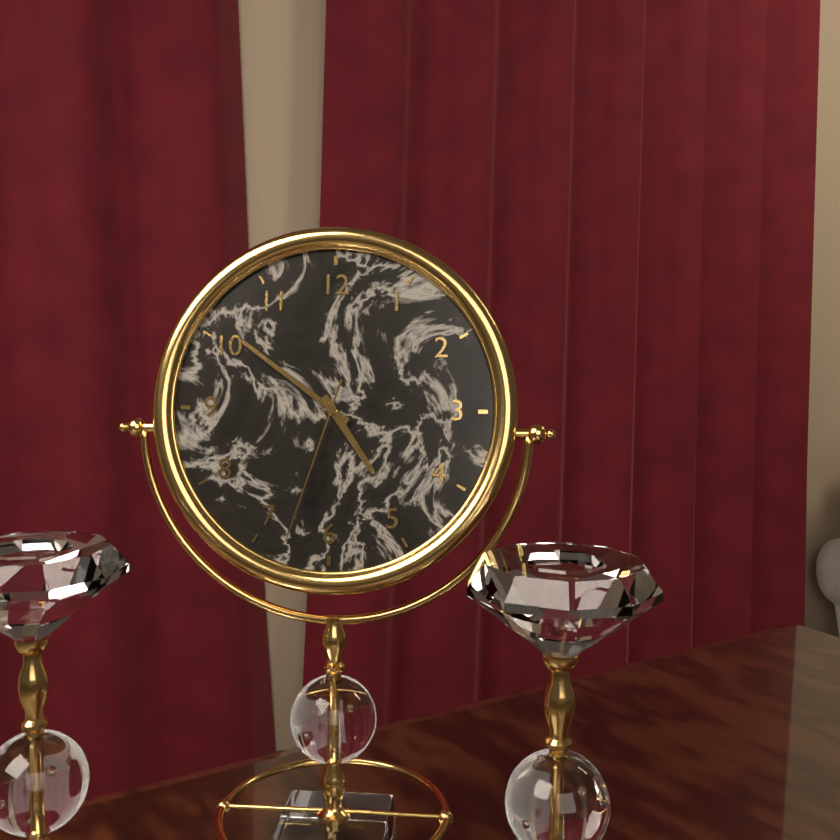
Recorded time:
4,51,33
